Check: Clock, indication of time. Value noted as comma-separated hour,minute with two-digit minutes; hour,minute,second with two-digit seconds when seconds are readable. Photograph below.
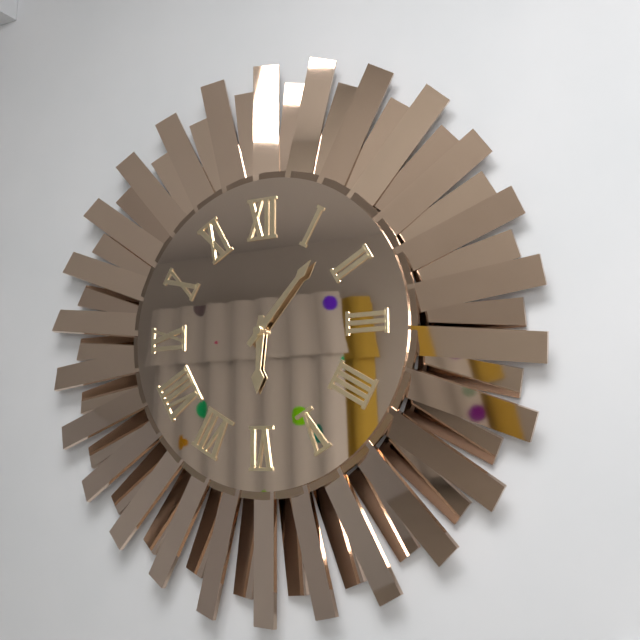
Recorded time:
6,07
